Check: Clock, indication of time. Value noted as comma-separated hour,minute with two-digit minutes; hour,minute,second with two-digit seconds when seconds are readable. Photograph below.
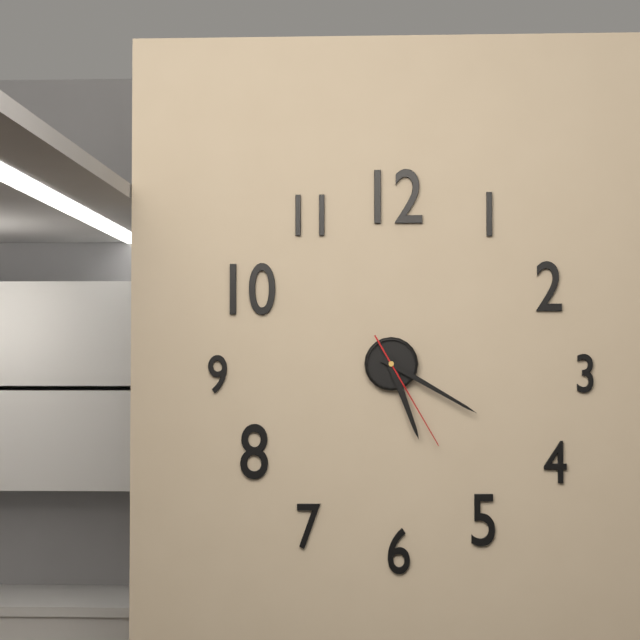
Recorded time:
5,20,25
